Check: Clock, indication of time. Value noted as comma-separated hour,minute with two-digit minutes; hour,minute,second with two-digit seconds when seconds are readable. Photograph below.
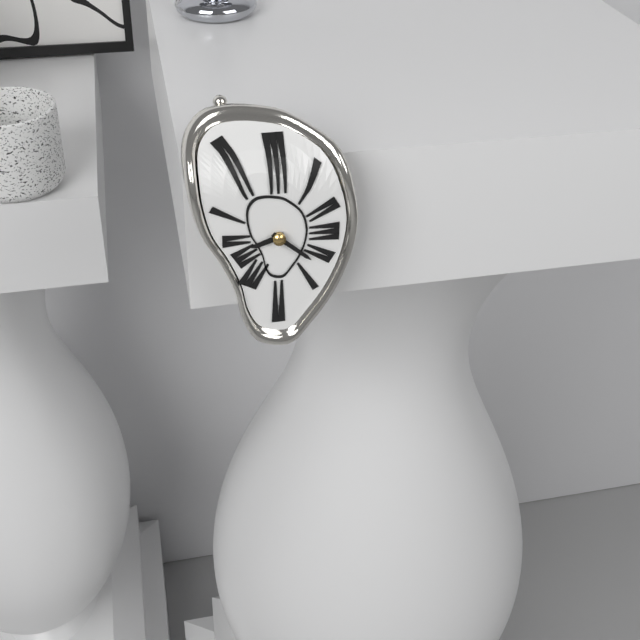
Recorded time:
8,22
